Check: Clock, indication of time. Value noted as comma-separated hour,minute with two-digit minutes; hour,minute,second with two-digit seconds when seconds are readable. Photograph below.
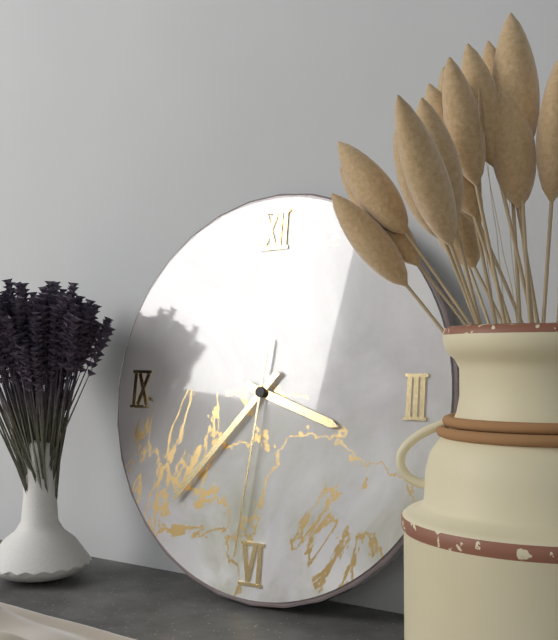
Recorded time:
3,37,31
